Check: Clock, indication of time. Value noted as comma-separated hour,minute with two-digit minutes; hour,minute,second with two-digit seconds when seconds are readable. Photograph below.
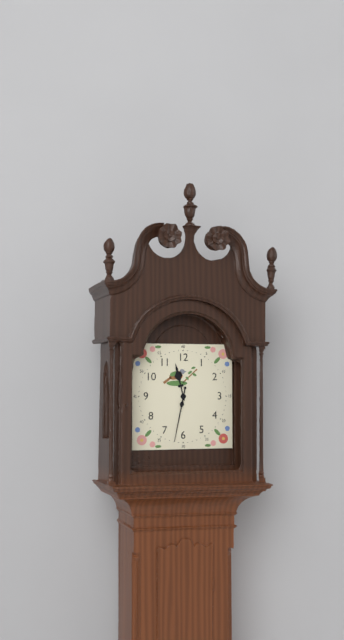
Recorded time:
11,32
